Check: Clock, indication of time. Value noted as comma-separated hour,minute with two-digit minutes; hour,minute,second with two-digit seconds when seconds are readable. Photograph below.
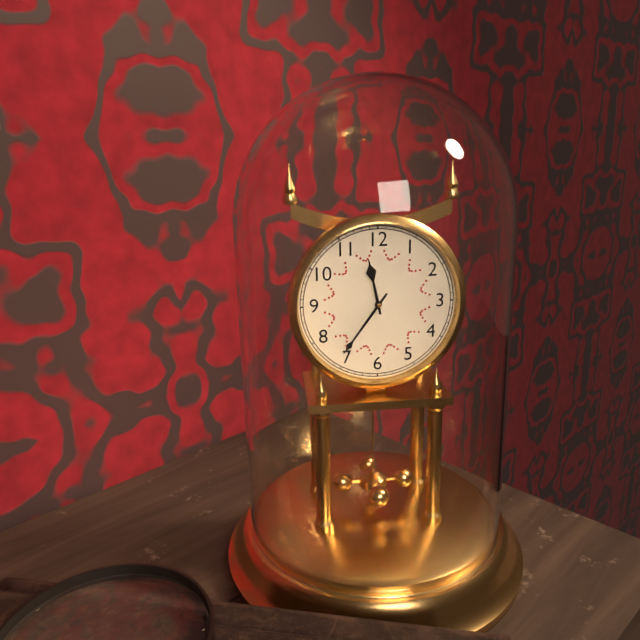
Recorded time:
11,36
